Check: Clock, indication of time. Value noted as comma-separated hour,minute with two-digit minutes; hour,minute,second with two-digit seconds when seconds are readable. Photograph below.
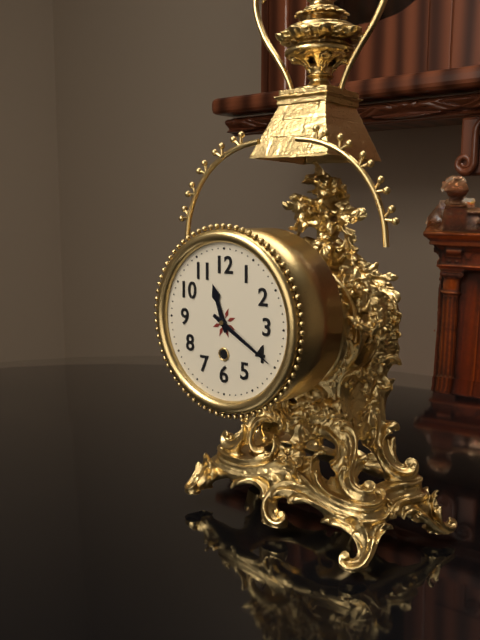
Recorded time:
11,20
